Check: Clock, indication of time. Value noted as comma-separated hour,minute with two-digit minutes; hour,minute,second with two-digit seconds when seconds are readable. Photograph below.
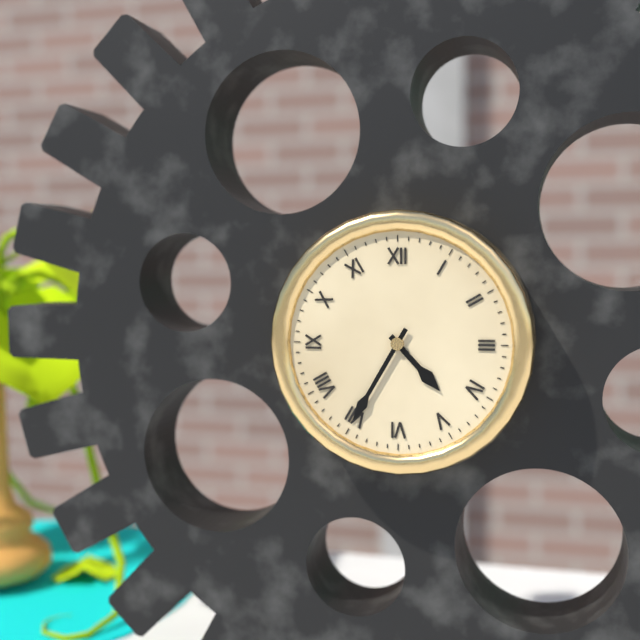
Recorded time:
4,35
